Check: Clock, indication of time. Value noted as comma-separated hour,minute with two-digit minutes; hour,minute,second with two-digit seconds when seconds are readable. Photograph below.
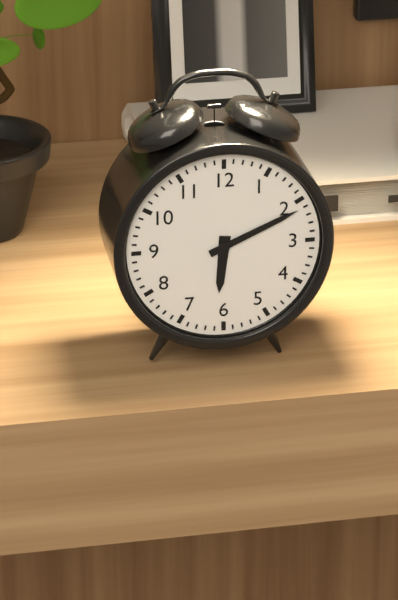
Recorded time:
6,11
